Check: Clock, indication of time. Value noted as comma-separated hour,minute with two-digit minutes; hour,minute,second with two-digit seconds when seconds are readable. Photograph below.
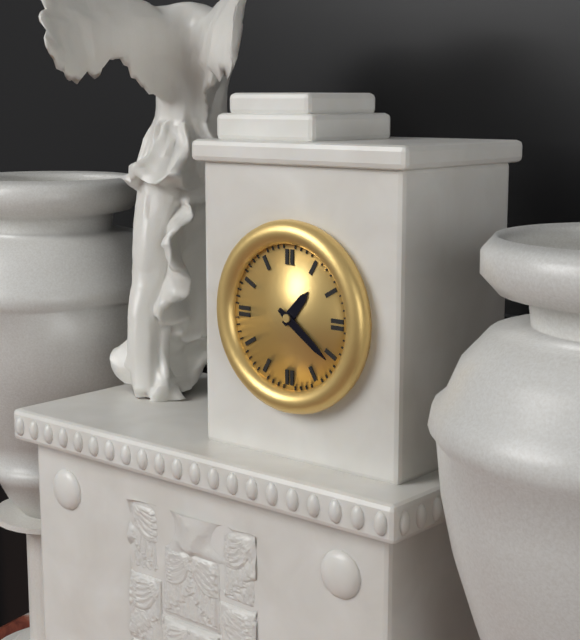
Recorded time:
1,21
